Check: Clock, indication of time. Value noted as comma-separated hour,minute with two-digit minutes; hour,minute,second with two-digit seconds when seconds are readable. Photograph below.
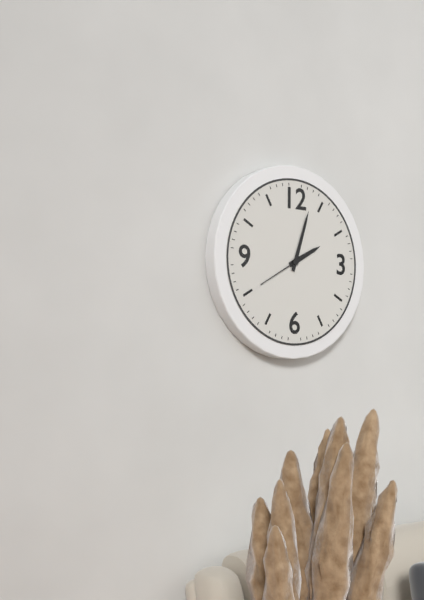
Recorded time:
2,03,40
